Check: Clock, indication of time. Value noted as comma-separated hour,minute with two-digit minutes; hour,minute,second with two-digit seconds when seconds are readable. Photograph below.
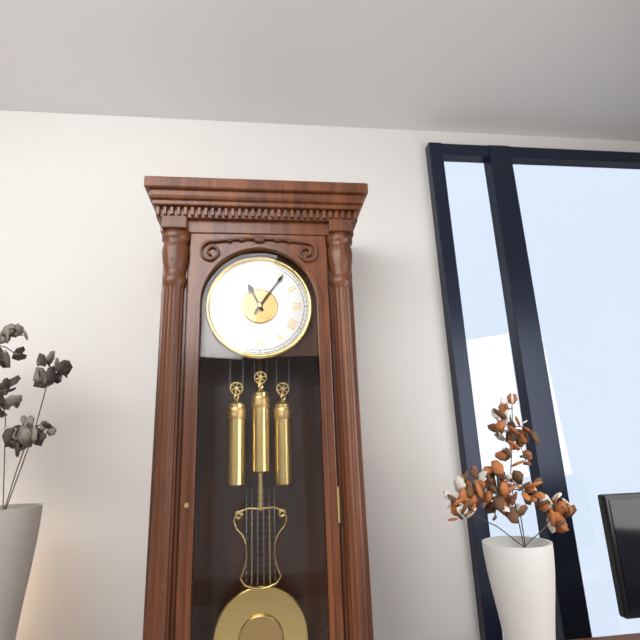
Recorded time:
11,06
